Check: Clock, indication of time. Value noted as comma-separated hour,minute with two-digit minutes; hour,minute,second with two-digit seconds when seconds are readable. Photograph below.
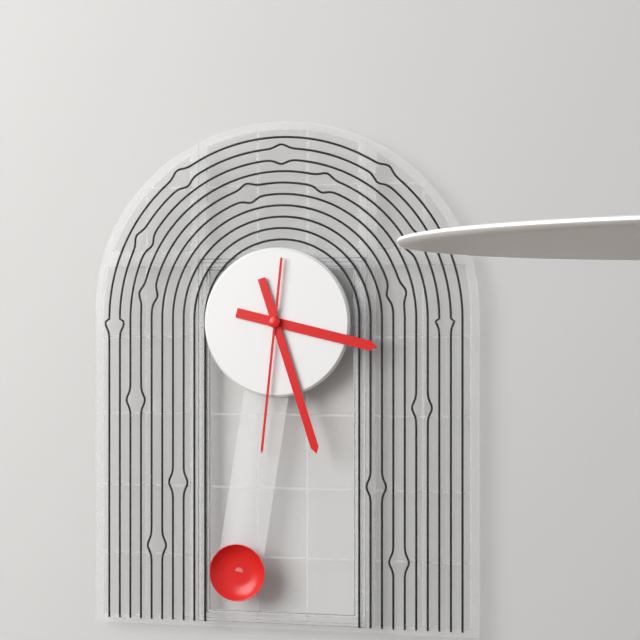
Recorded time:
3,27,31
